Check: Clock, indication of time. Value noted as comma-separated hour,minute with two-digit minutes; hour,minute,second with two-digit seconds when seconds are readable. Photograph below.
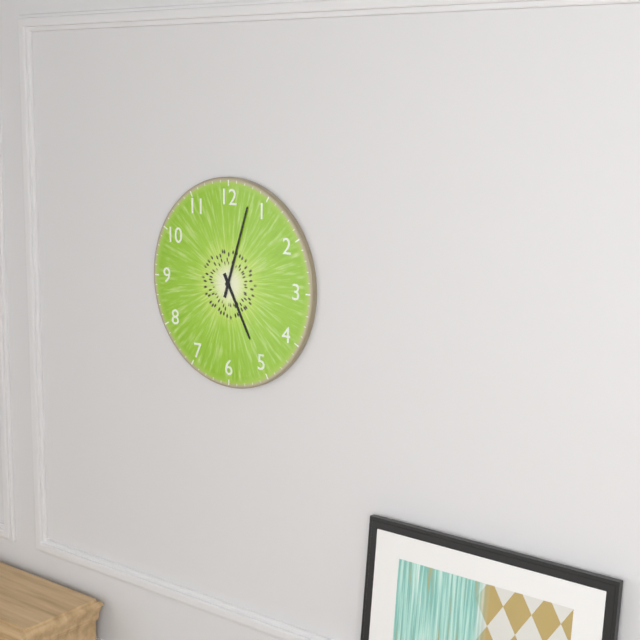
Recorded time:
5,03
